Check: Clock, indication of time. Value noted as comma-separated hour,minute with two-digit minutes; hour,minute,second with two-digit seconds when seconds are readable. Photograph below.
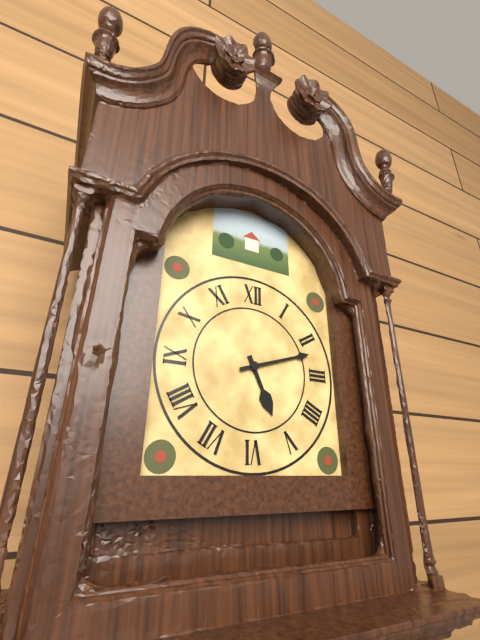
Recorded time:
5,12
